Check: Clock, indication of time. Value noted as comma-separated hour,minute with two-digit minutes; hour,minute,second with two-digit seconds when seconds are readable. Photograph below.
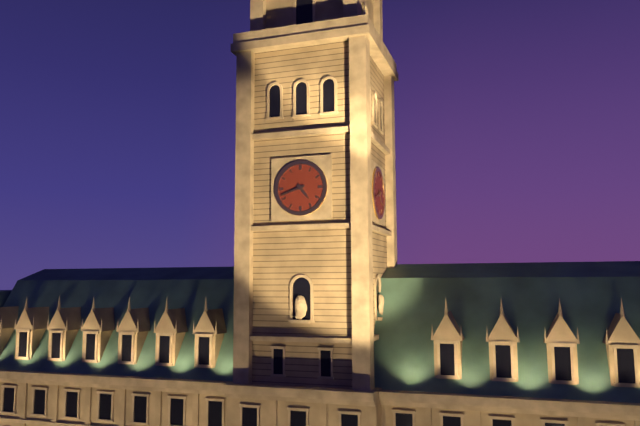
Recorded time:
4,42
